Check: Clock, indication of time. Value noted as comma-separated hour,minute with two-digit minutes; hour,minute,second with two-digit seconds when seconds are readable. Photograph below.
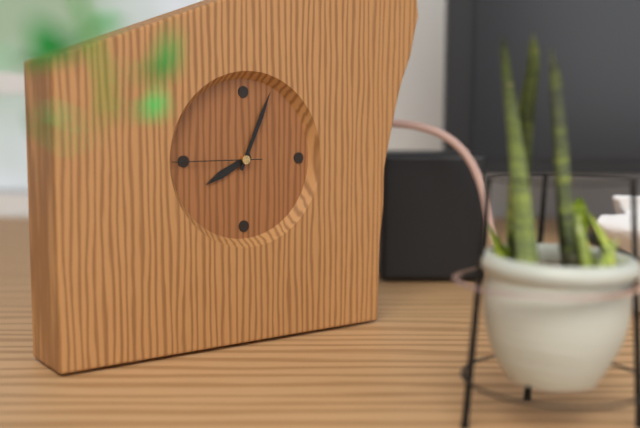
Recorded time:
8,04,45
